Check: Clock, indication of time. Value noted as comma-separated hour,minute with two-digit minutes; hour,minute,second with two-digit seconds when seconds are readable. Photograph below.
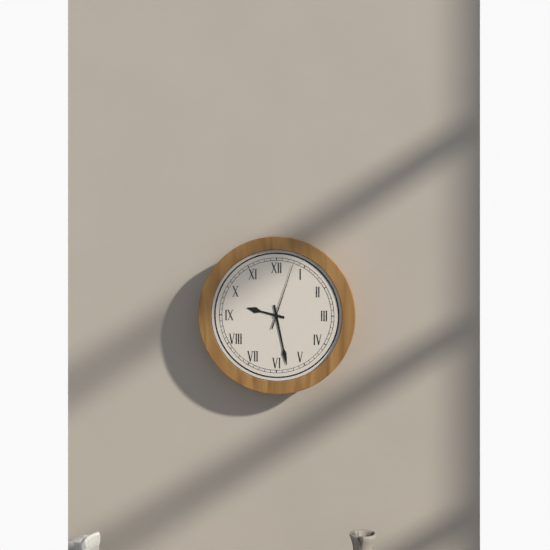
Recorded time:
9,28,03
